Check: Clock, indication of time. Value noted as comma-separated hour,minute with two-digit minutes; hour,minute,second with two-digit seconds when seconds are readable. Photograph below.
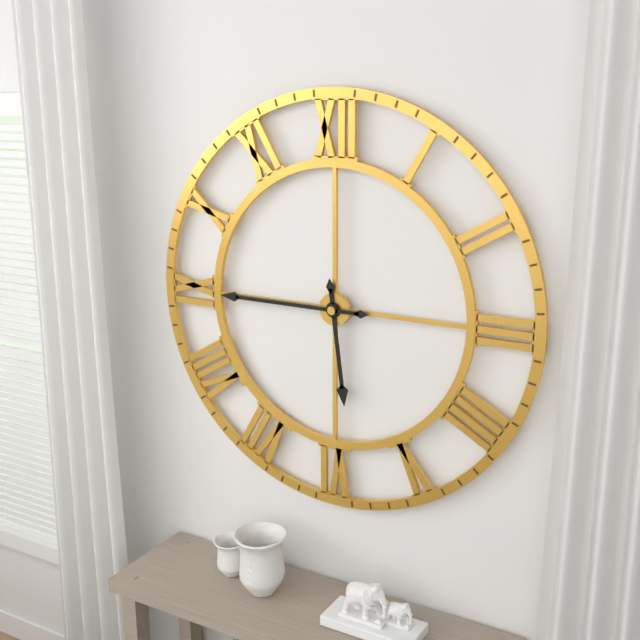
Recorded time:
5,45
